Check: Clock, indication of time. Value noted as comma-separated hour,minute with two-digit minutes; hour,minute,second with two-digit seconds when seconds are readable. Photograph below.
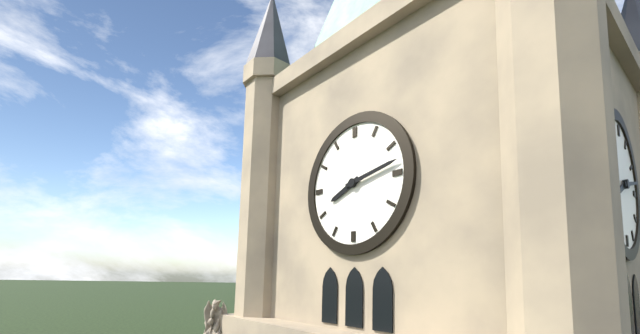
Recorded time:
8,13
